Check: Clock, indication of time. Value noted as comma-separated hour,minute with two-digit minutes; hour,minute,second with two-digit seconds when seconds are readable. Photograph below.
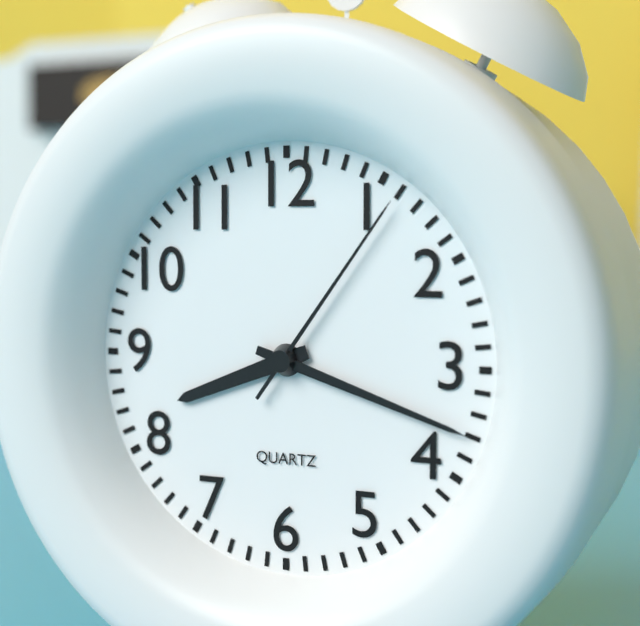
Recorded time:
8,18,06
